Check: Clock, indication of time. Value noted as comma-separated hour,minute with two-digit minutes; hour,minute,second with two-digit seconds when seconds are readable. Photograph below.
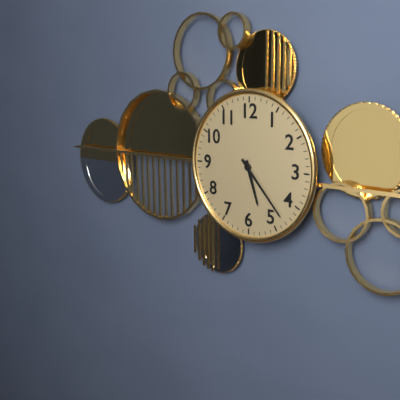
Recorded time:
5,23
